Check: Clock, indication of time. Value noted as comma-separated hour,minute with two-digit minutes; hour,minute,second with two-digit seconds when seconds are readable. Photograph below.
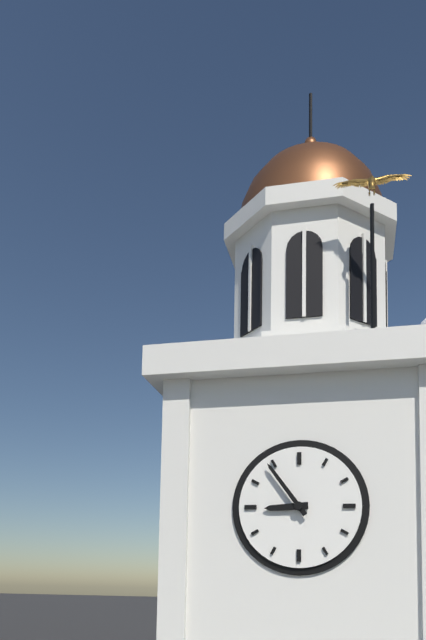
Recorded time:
8,54
